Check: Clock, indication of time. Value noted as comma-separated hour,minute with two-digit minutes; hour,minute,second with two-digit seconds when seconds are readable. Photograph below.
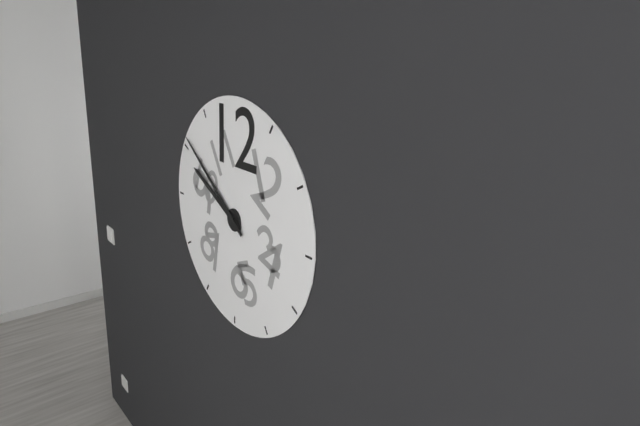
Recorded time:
9,51
